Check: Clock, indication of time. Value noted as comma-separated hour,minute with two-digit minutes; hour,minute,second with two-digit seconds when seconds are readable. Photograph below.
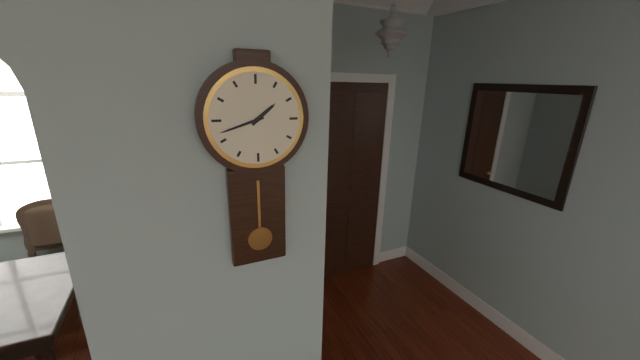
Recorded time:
1,42
